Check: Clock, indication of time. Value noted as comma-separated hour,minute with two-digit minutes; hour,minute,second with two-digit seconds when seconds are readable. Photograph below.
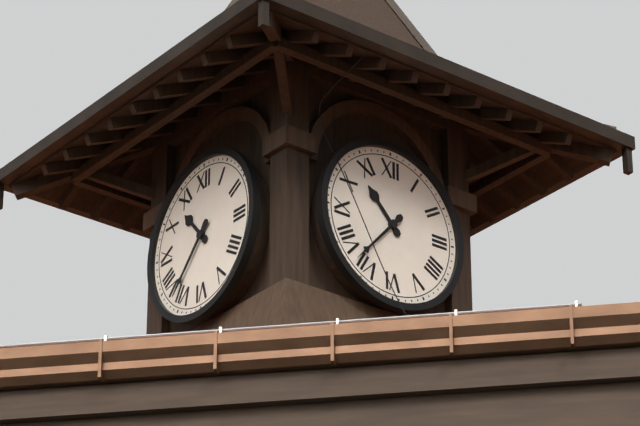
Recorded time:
10,37
